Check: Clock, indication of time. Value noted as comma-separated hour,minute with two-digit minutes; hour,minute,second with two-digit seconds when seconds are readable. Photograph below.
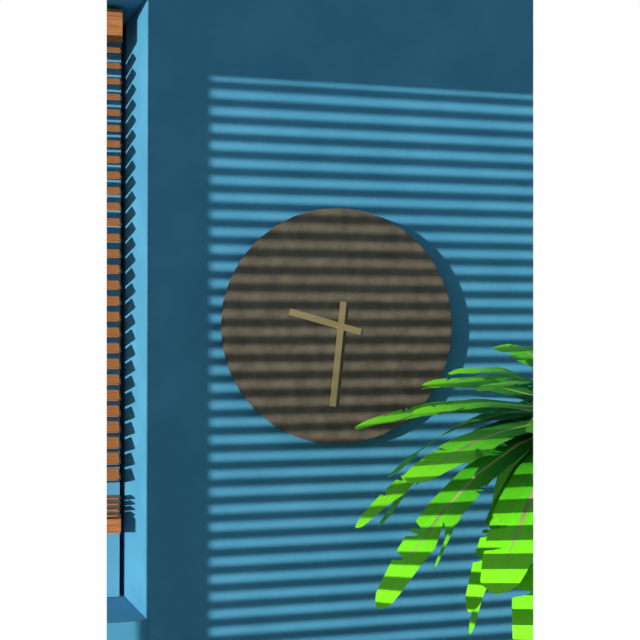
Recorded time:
9,31
